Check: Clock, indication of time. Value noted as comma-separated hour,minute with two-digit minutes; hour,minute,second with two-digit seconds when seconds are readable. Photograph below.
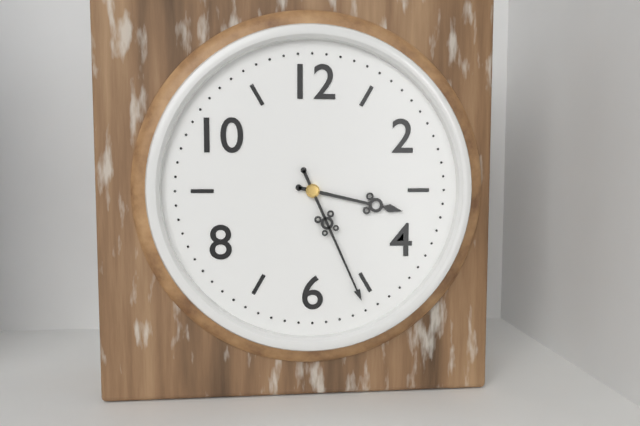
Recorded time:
3,26
